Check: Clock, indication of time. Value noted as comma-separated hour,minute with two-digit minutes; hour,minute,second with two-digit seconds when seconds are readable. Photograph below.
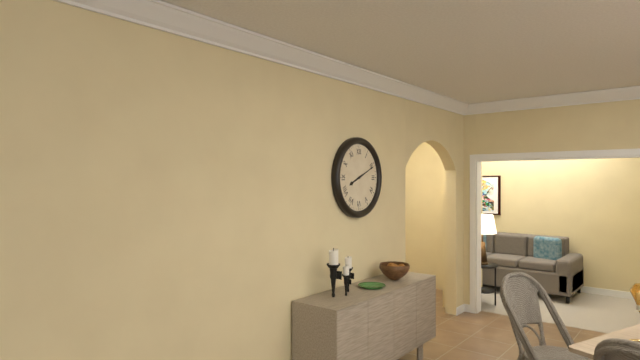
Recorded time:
8,11
